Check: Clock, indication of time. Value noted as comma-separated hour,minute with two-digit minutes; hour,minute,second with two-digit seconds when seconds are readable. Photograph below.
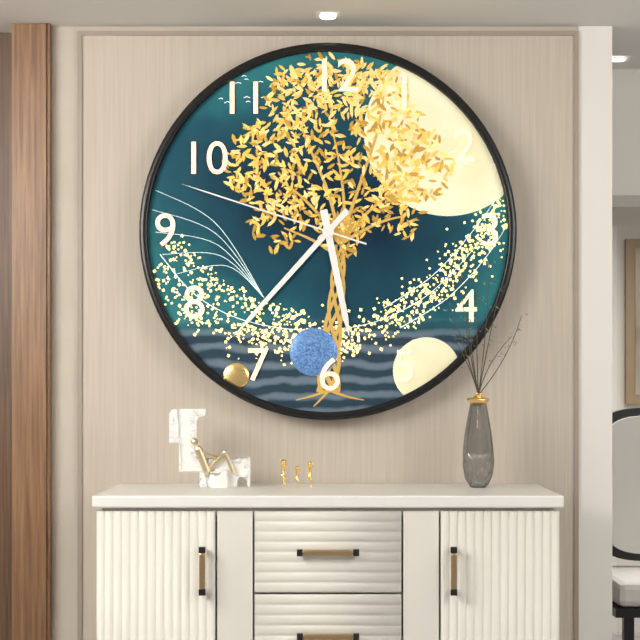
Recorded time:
5,37,48
